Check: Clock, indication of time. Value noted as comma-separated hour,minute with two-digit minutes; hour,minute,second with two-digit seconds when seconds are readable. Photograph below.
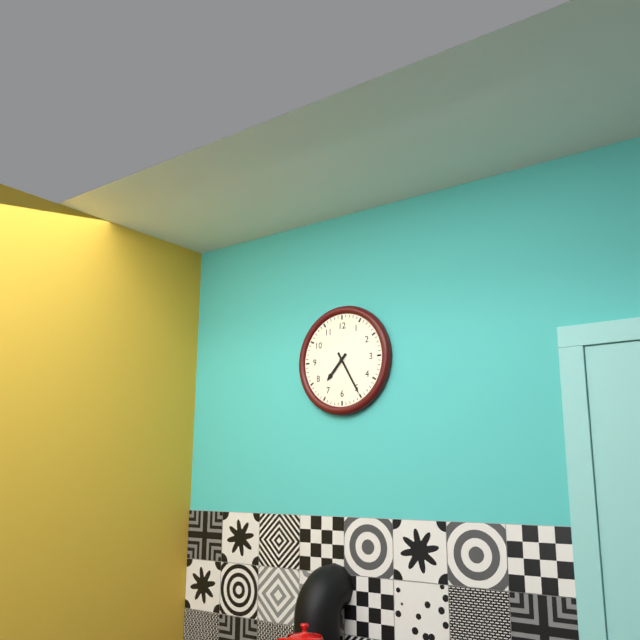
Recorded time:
7,25
